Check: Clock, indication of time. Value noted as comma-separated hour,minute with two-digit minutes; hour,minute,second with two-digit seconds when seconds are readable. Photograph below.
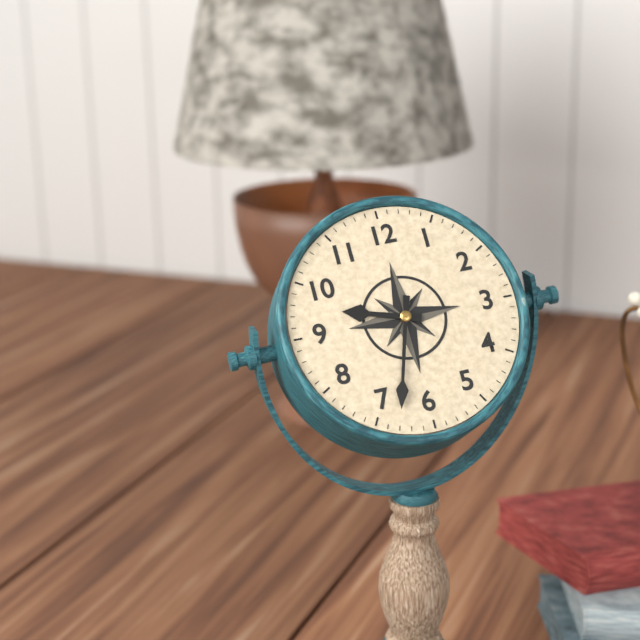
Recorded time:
9,33
